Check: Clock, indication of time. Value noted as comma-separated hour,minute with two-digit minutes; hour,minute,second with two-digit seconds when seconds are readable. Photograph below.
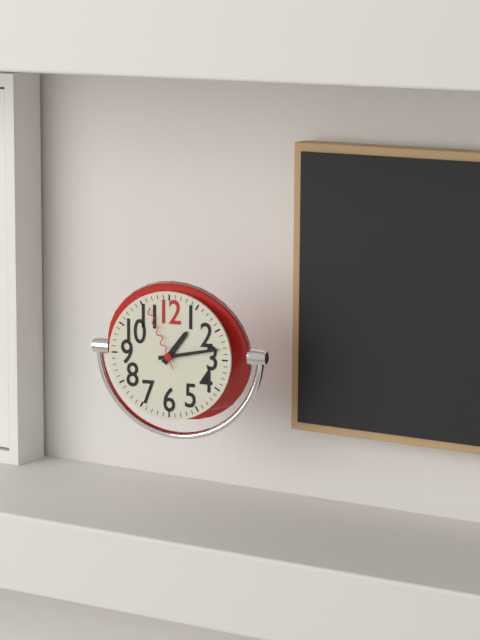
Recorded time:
1,13,56
